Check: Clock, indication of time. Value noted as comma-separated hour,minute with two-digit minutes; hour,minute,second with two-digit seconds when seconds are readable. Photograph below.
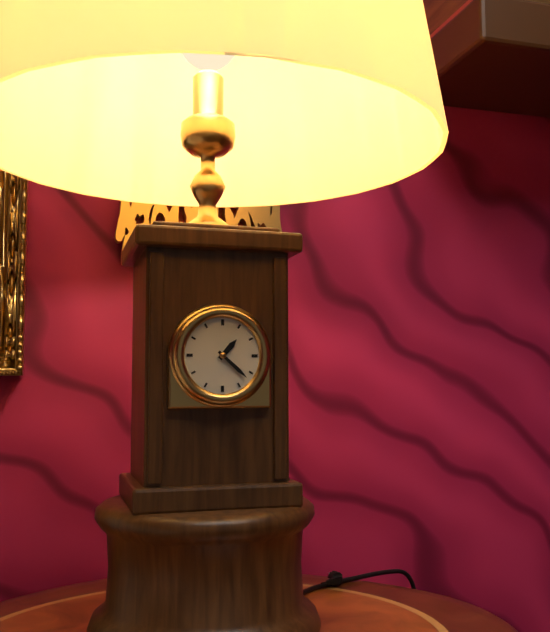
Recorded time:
1,22
